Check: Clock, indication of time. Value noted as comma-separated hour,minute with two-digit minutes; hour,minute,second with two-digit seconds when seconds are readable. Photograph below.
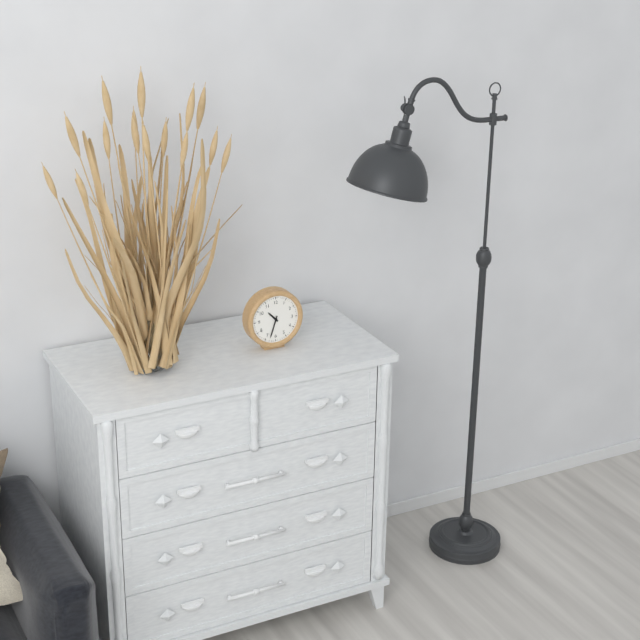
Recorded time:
10,33
